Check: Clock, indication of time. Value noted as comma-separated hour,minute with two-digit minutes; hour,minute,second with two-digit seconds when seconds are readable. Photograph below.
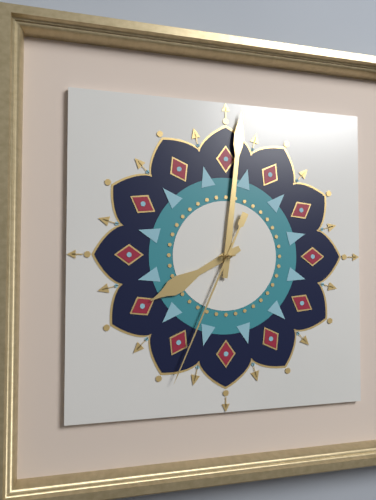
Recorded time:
8,01,34
